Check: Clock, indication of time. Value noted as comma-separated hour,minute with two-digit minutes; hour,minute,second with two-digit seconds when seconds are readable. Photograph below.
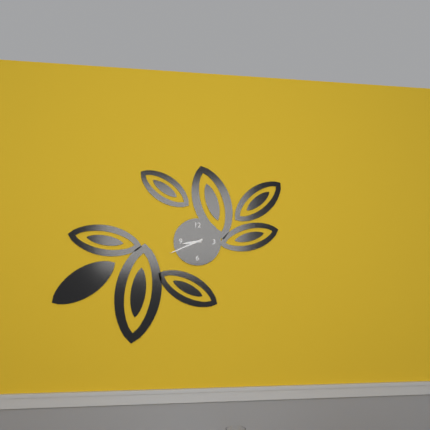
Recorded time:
8,41
